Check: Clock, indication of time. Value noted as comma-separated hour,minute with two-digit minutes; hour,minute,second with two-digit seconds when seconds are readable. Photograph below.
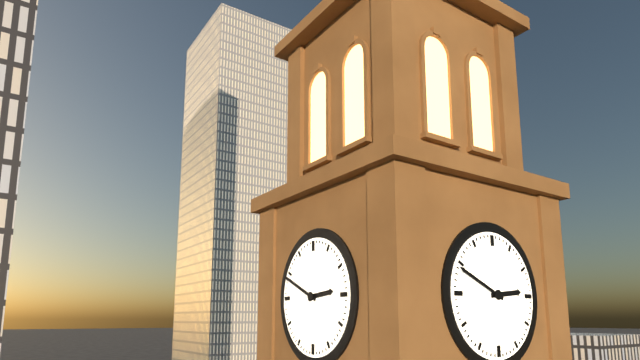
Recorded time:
2,49
